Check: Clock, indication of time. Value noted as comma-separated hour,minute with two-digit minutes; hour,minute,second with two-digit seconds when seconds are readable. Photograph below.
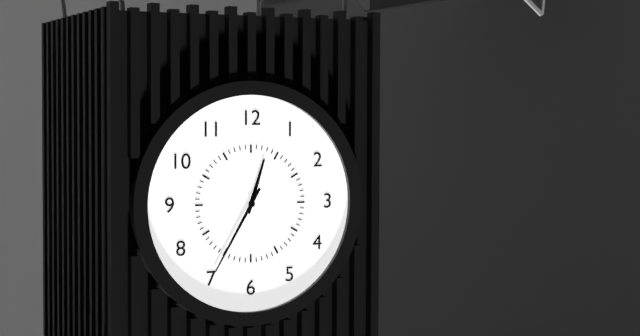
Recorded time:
12,35
